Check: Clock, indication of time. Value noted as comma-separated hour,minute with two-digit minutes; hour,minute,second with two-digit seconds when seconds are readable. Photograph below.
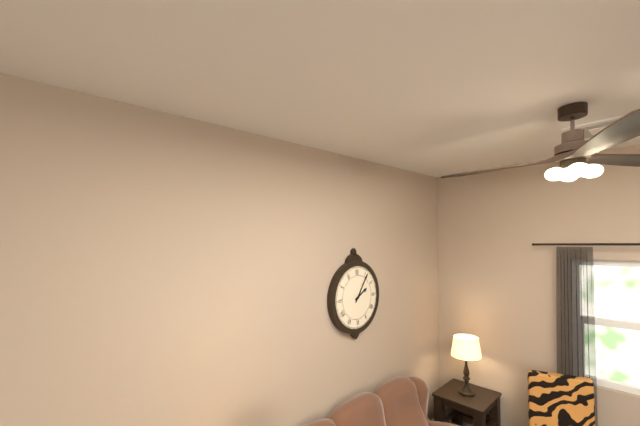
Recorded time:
2,06
